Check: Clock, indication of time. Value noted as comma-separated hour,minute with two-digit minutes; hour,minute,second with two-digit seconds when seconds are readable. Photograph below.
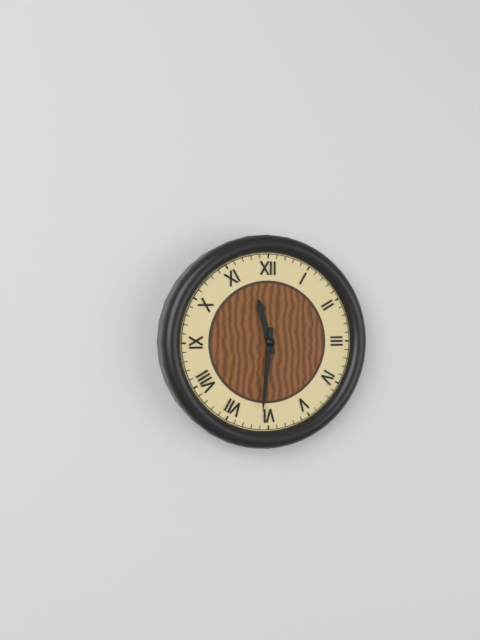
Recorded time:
11,31
